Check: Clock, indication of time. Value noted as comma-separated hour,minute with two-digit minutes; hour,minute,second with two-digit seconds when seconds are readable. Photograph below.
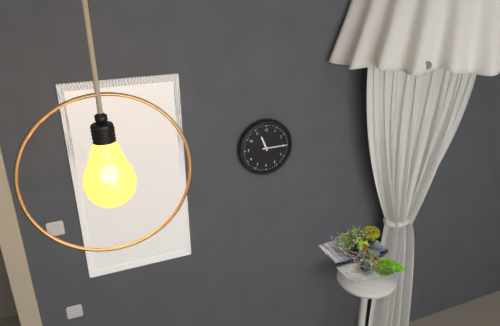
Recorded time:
11,15
